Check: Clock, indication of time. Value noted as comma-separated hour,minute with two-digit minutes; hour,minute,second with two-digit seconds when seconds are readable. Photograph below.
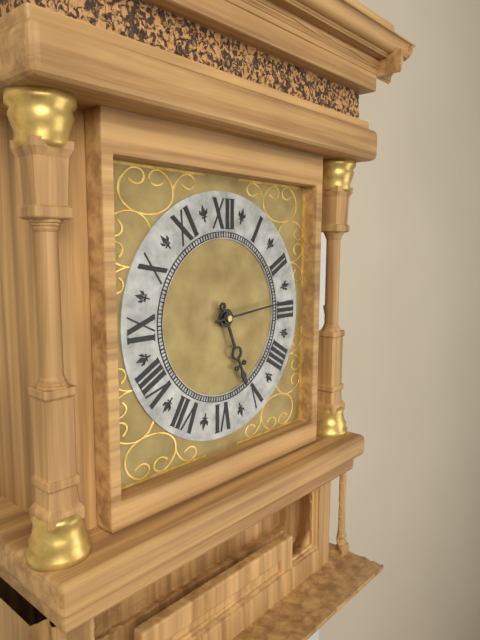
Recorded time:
5,14
